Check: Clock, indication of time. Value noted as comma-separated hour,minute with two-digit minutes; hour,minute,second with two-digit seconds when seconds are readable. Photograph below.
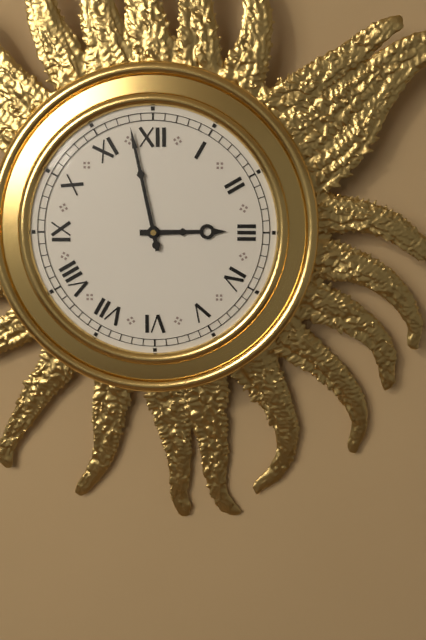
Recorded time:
2,58
